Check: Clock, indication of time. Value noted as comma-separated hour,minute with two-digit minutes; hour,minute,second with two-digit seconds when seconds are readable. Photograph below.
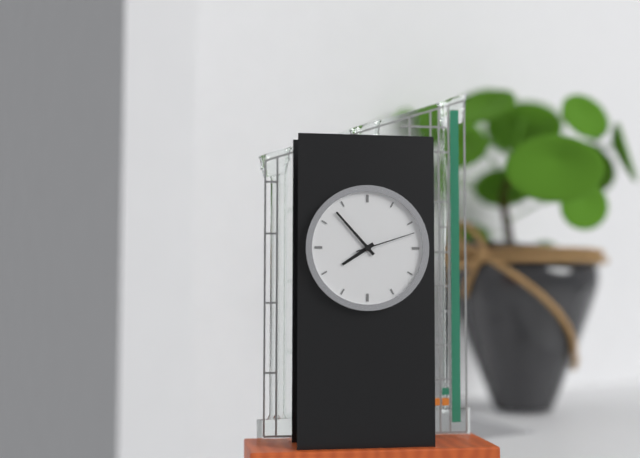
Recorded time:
7,53,12
